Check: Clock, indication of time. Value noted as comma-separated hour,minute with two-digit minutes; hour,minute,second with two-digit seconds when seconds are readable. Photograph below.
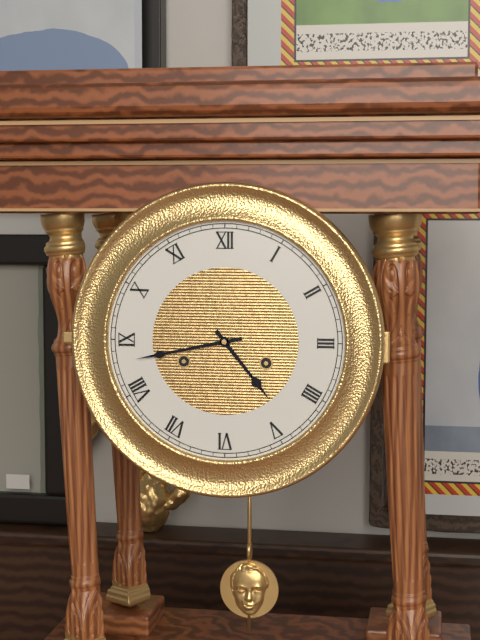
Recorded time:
4,43
